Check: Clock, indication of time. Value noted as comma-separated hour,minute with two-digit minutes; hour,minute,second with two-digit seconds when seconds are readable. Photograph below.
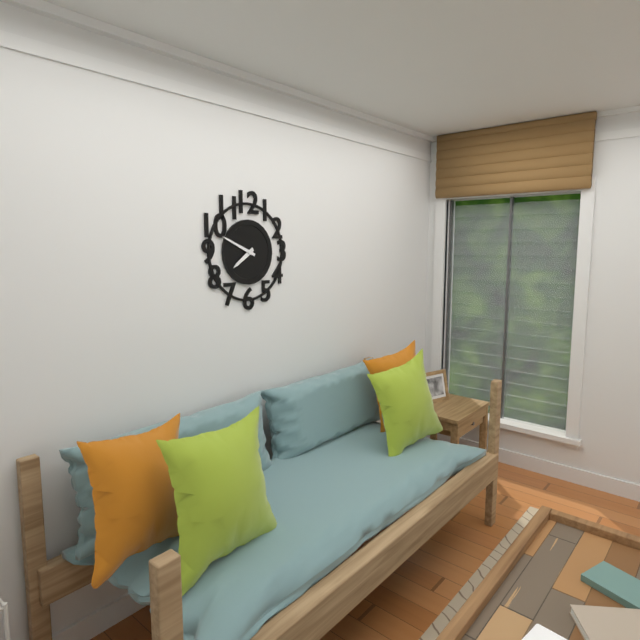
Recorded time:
7,49
